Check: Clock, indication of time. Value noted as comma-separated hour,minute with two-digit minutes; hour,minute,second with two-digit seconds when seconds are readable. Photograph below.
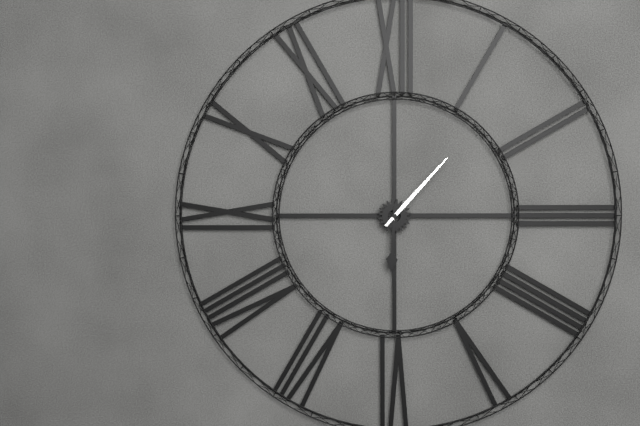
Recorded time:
6,07
